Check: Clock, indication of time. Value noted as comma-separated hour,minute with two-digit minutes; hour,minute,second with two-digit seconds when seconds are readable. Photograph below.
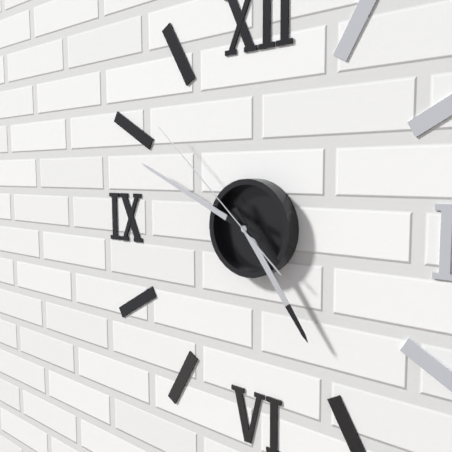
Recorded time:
4,49,52
